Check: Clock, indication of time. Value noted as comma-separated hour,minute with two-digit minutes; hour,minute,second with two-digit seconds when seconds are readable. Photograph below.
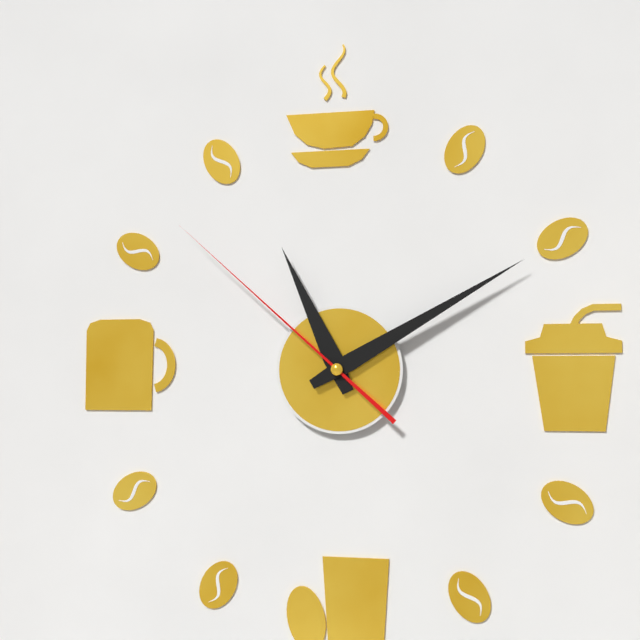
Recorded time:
11,10,52
